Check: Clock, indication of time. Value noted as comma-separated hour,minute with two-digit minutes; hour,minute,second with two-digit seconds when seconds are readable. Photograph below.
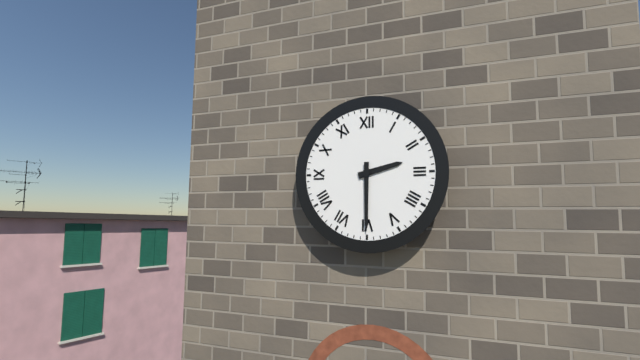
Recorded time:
2,30
